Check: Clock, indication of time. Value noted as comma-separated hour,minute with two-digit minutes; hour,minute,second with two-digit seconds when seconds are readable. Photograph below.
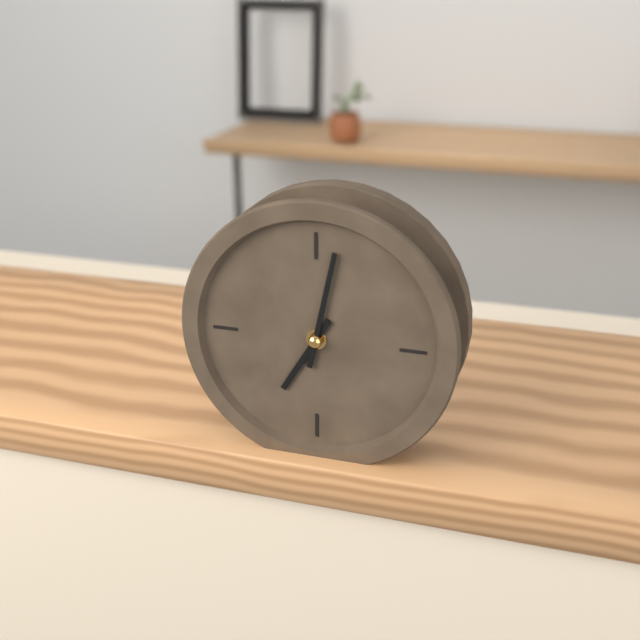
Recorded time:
7,02
